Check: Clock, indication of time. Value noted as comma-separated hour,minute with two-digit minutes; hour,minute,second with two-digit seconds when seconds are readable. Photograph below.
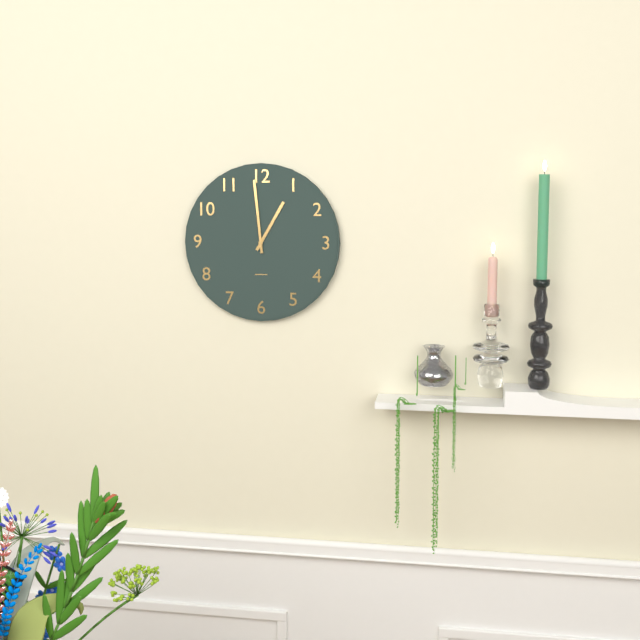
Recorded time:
12,59
